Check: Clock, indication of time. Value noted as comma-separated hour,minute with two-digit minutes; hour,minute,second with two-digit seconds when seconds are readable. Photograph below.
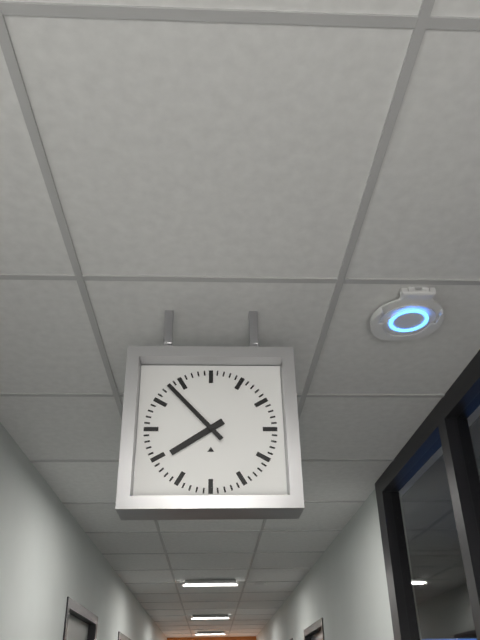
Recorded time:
7,53
